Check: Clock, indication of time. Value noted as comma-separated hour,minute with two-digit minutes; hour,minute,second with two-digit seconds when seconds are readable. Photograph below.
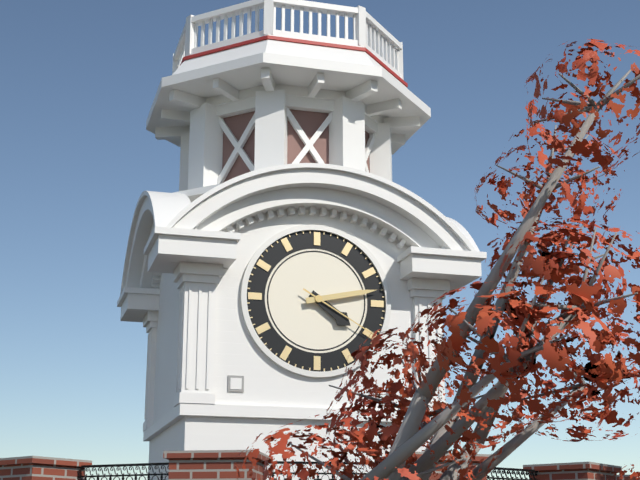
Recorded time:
4,13,20
